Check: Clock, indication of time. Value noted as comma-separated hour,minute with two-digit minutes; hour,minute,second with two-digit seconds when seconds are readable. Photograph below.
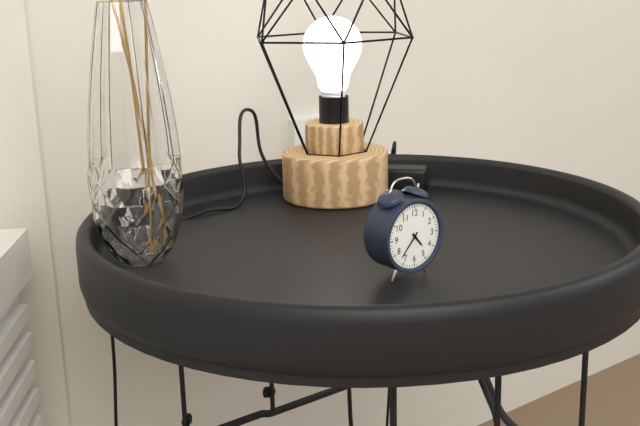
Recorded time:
4,37
